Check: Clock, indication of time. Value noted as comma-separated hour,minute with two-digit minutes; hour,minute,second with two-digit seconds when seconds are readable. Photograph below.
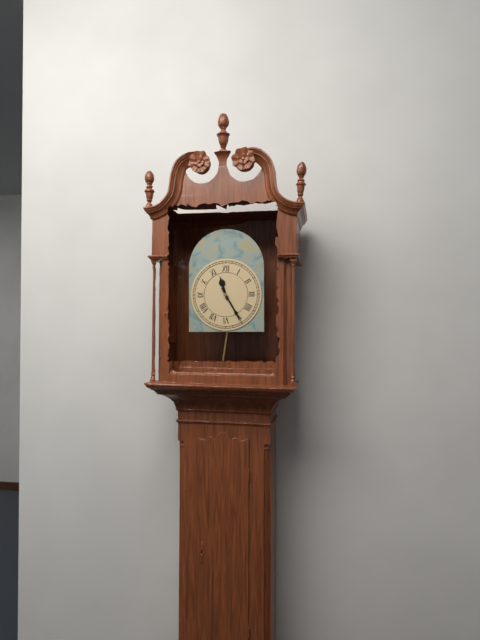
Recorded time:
11,25
